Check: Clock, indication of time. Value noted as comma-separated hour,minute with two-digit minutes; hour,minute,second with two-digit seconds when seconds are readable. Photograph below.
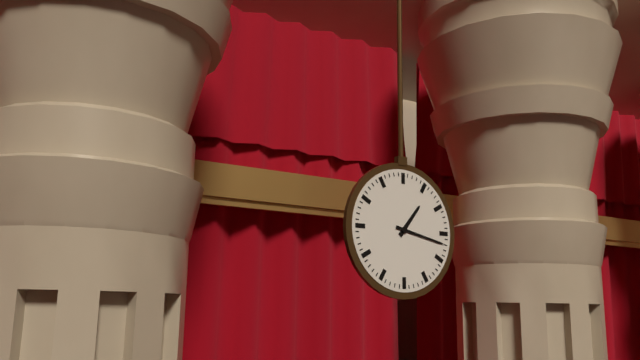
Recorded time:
1,17
